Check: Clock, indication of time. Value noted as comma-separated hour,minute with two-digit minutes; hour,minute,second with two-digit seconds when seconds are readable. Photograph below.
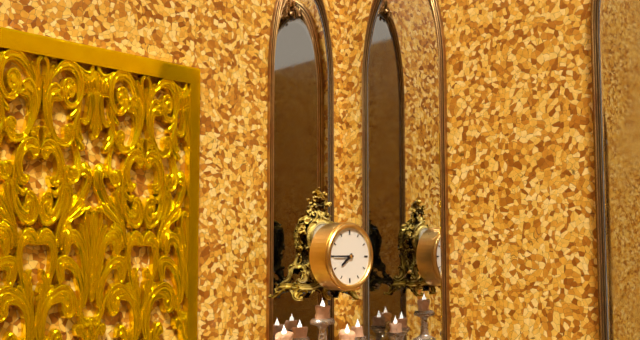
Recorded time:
7,45
